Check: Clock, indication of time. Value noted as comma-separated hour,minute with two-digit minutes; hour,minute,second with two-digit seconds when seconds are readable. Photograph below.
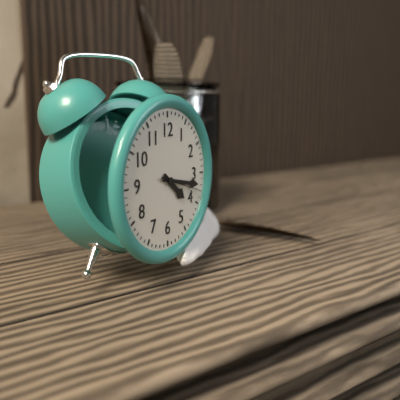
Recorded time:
4,17
